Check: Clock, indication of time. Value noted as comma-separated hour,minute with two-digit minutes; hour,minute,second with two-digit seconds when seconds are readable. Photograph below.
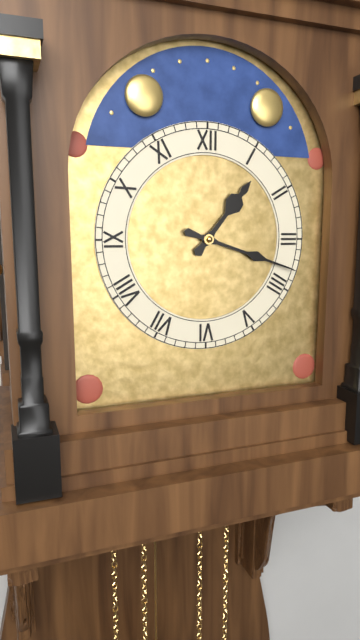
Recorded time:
1,18
